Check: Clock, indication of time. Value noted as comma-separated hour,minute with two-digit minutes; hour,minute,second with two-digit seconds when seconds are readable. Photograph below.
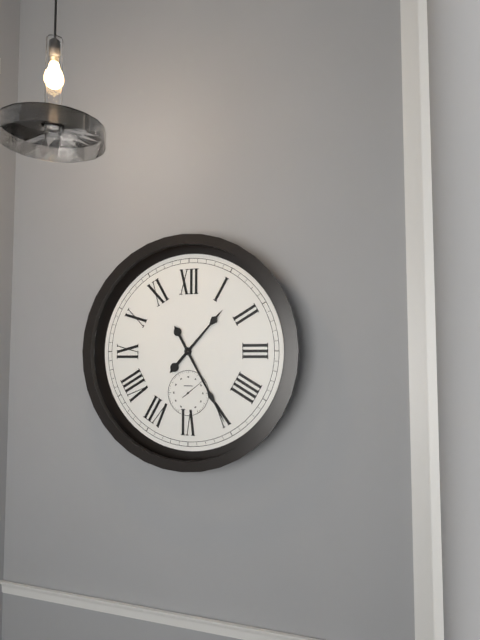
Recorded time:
1,25
